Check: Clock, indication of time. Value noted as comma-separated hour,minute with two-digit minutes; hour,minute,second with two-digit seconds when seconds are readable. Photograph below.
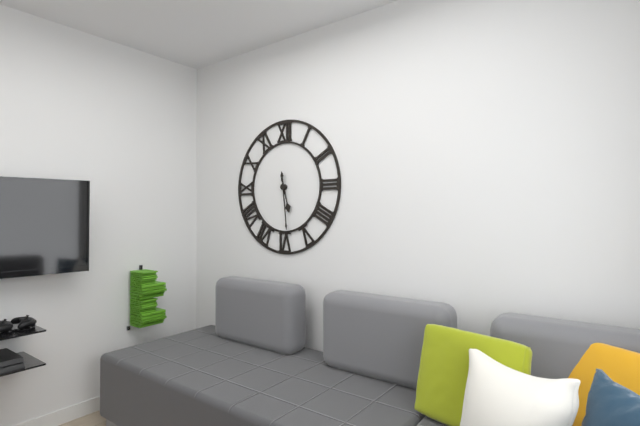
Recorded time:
5,29
